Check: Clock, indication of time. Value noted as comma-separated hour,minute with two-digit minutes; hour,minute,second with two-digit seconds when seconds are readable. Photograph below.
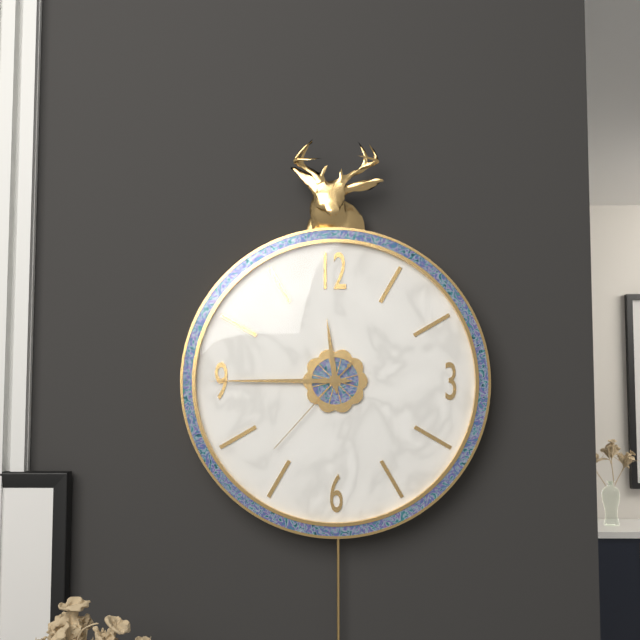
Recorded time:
11,45,37
